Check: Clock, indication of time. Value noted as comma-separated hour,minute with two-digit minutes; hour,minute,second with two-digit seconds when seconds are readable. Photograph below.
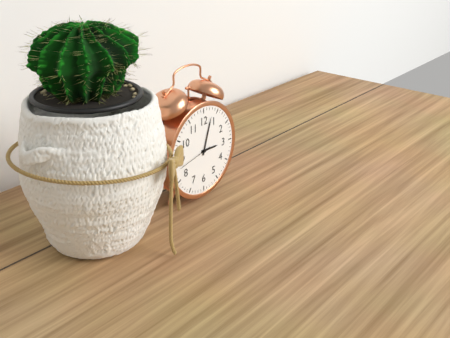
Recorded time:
3,03
